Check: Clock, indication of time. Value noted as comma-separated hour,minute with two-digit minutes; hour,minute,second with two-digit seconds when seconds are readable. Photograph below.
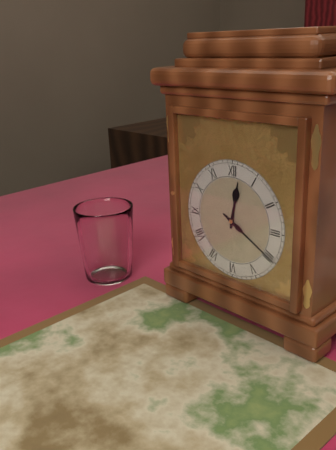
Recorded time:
12,20
